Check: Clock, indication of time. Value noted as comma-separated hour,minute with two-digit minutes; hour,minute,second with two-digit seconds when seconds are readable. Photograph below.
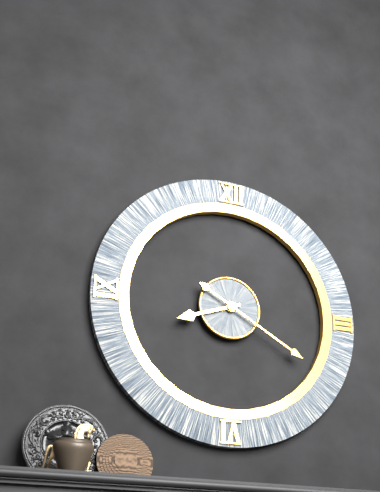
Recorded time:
8,20
